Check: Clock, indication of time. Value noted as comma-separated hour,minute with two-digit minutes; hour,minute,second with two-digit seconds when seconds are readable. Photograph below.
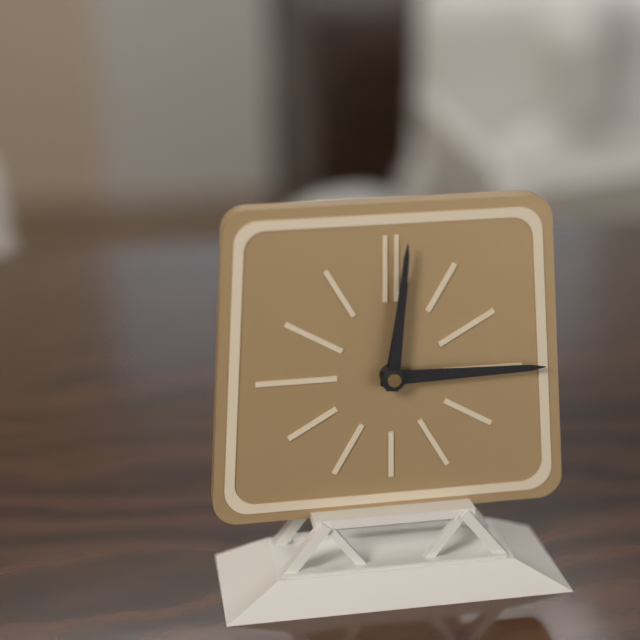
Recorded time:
12,15,01
